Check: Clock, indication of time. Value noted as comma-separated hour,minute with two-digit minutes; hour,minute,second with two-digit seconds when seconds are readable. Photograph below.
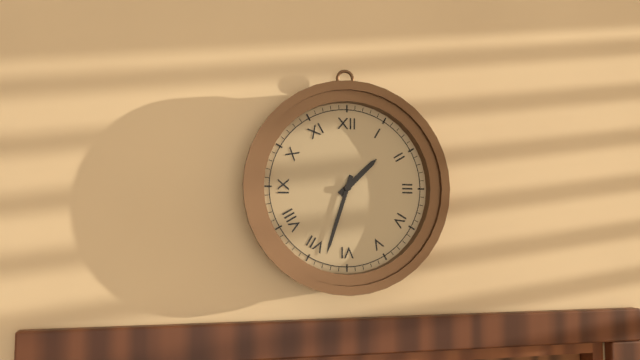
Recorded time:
1,33
